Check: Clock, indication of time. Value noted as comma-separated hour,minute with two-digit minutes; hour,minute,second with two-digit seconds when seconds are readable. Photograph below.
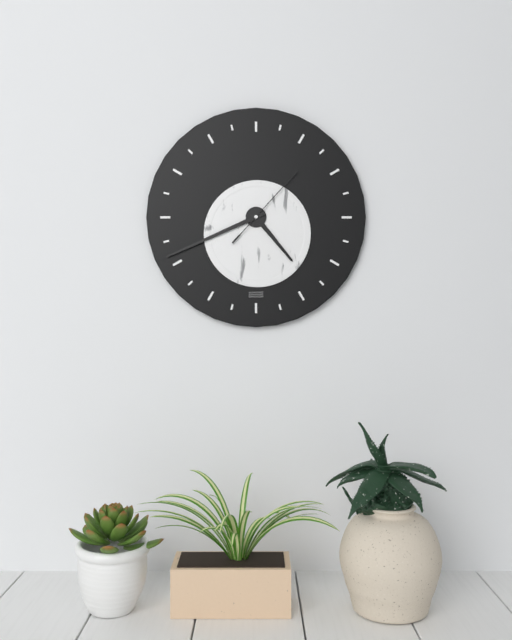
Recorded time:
4,41,07
